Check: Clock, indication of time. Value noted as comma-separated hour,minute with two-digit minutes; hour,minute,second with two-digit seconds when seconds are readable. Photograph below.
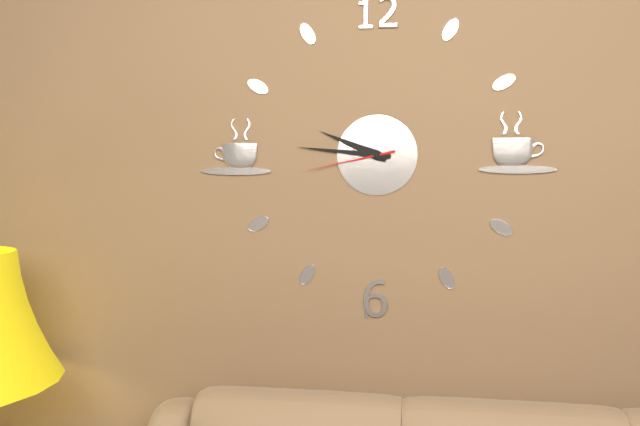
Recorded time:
9,46,43
